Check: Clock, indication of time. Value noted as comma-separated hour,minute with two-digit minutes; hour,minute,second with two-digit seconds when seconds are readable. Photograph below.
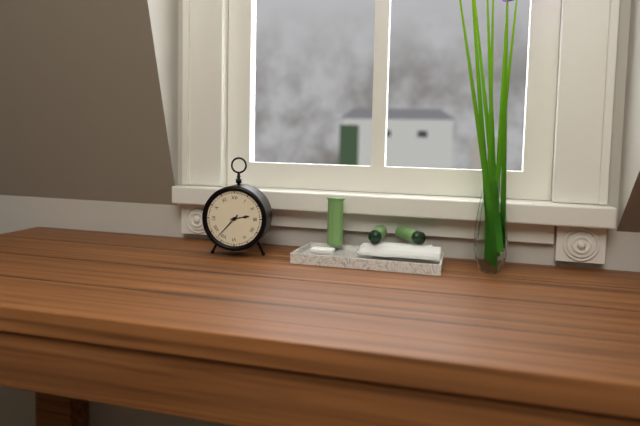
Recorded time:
2,37
